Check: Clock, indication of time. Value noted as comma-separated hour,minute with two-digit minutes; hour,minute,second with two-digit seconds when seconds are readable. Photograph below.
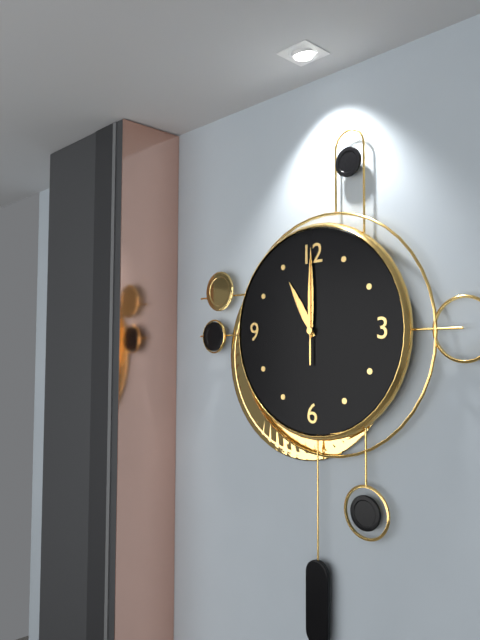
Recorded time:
11,00,00
